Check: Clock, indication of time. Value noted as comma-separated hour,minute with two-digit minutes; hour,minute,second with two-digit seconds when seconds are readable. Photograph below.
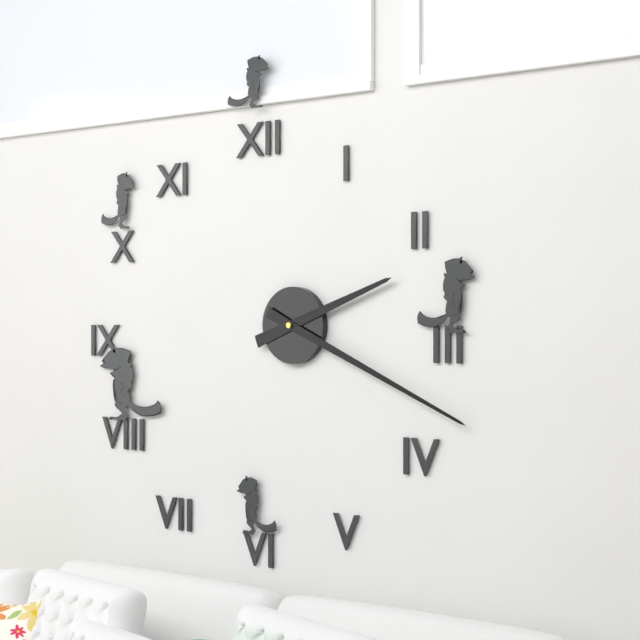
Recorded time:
2,19
